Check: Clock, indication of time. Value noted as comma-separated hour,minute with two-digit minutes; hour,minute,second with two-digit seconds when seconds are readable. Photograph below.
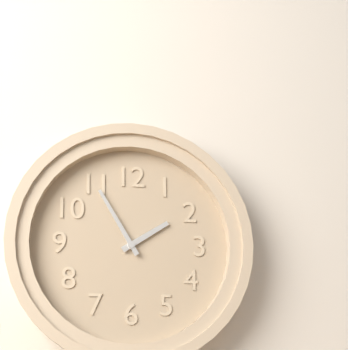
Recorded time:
1,55
